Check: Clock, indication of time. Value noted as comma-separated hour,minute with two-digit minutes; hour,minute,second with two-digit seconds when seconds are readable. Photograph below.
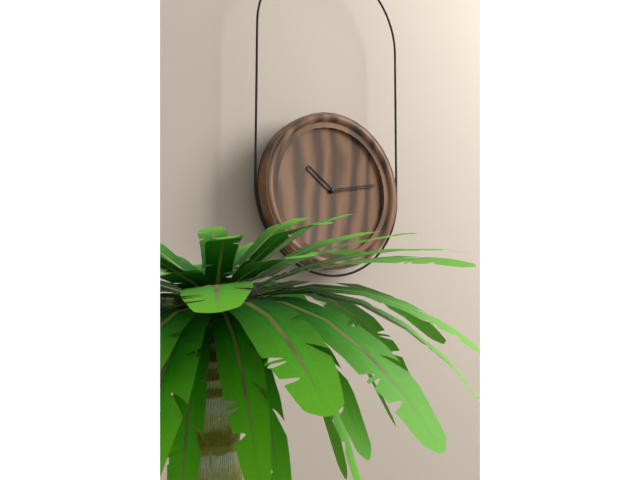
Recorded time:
10,13
